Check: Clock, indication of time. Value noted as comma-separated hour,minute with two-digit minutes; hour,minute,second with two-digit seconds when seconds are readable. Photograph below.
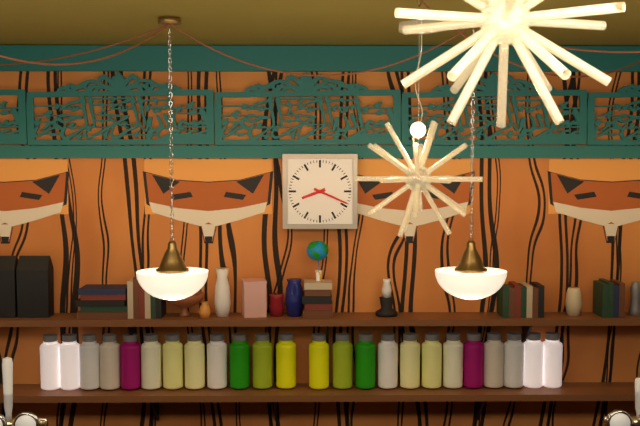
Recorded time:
8,19
